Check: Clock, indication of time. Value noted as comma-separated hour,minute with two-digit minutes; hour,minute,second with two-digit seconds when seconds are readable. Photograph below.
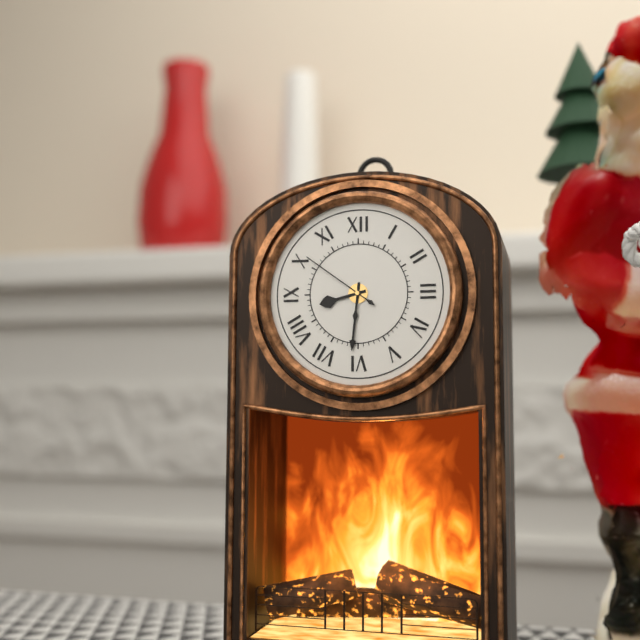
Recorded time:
8,31,51
